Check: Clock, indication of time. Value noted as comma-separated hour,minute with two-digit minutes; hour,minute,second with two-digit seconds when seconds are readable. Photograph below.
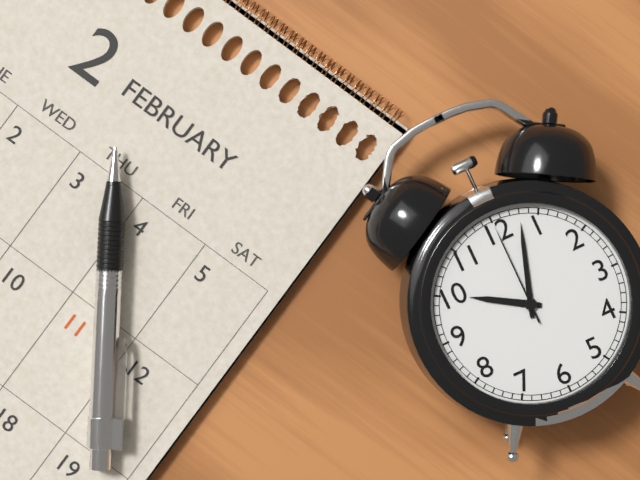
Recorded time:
10,03,00
